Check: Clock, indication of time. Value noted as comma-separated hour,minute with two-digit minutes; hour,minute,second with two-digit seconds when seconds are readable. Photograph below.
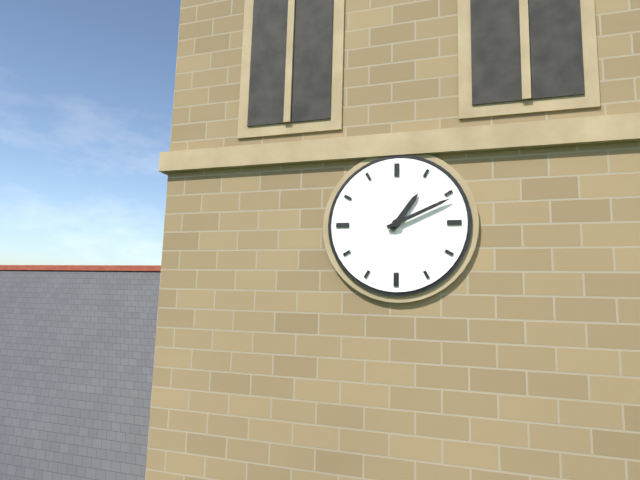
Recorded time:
1,11
